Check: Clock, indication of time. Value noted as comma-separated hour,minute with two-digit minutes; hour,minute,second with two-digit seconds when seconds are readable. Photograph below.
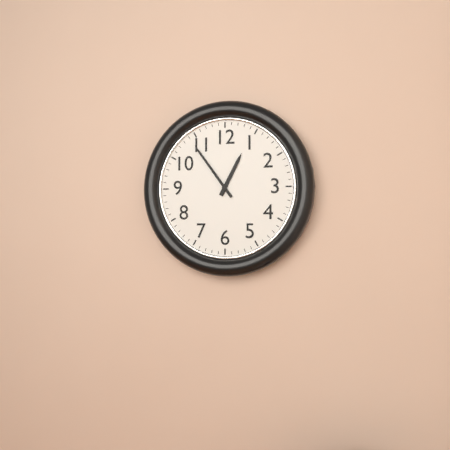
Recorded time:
12,54
